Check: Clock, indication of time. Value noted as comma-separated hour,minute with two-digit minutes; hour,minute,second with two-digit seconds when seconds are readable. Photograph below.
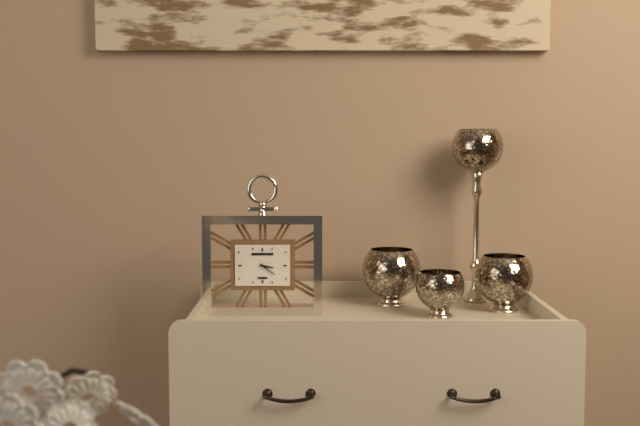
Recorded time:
3,21
